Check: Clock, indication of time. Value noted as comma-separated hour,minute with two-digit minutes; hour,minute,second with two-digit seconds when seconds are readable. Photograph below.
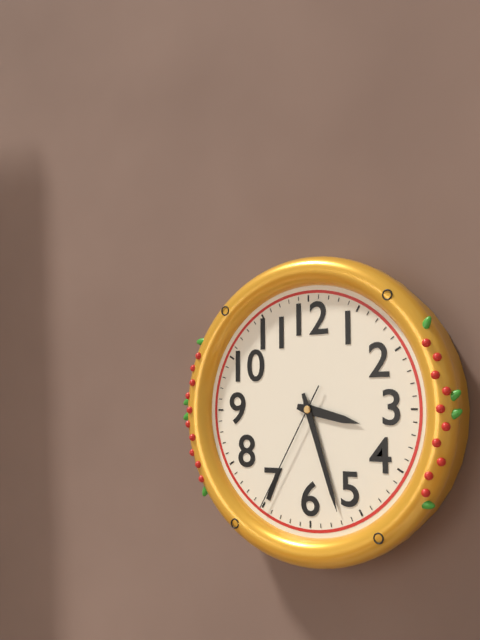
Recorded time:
3,27,35
